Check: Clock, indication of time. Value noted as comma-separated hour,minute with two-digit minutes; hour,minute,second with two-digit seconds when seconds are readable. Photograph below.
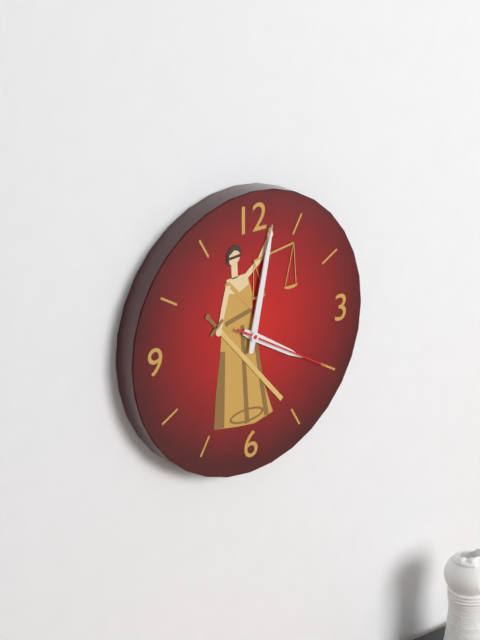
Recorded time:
4,02,20
